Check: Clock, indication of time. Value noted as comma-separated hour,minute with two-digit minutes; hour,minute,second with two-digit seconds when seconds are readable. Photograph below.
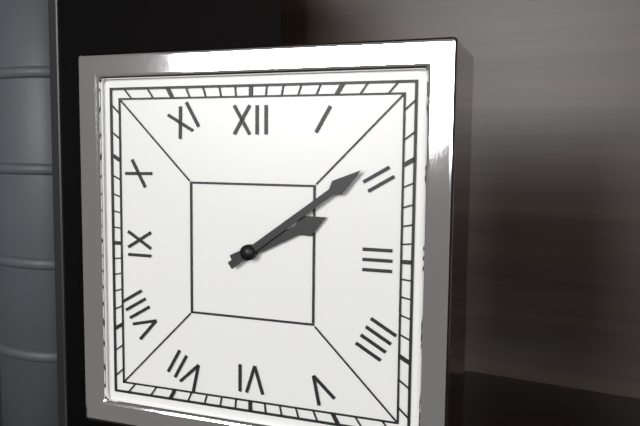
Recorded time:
2,09
